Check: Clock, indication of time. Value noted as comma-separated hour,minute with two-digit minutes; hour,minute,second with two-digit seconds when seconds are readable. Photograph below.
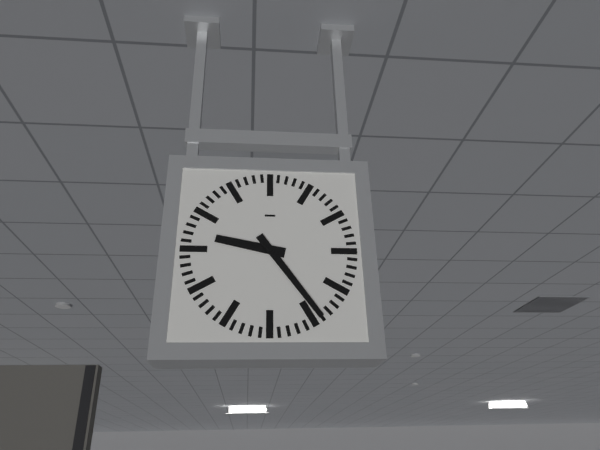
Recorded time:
9,24
